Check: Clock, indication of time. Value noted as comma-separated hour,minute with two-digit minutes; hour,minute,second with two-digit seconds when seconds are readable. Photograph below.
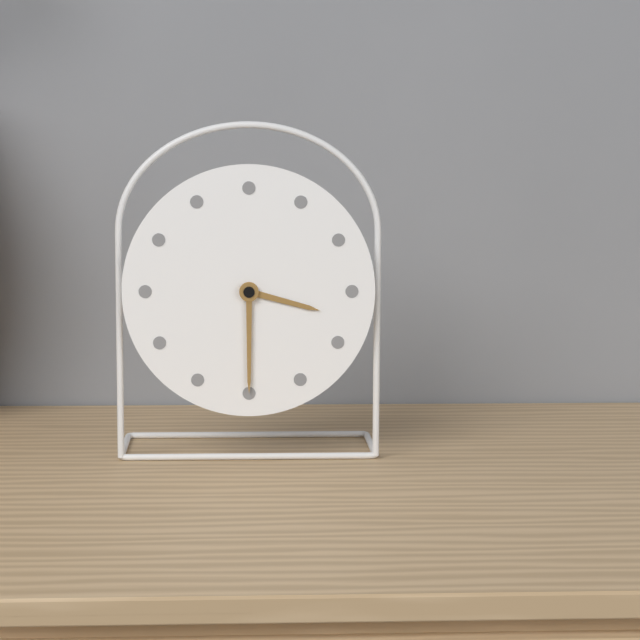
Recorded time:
3,30
